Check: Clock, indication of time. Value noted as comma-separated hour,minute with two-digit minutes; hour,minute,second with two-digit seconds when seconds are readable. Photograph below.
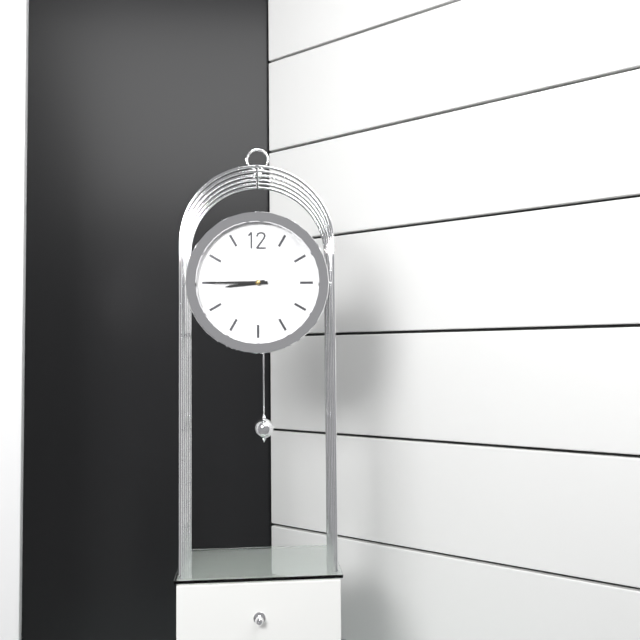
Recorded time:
8,45
